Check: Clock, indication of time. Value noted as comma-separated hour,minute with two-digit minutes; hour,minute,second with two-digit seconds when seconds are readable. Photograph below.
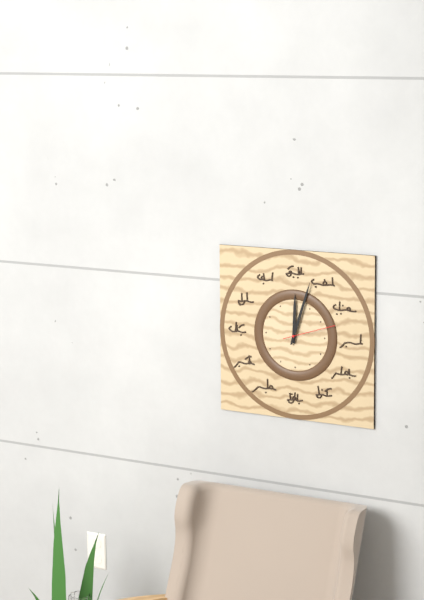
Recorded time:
12,03
